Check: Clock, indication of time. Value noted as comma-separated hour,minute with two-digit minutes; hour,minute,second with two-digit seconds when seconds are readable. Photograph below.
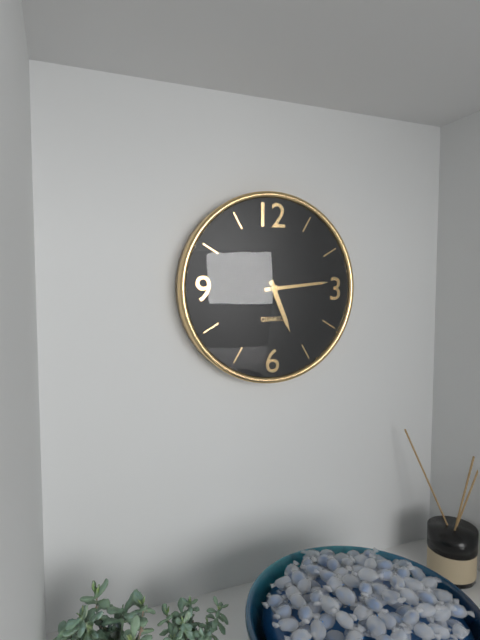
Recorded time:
5,14
